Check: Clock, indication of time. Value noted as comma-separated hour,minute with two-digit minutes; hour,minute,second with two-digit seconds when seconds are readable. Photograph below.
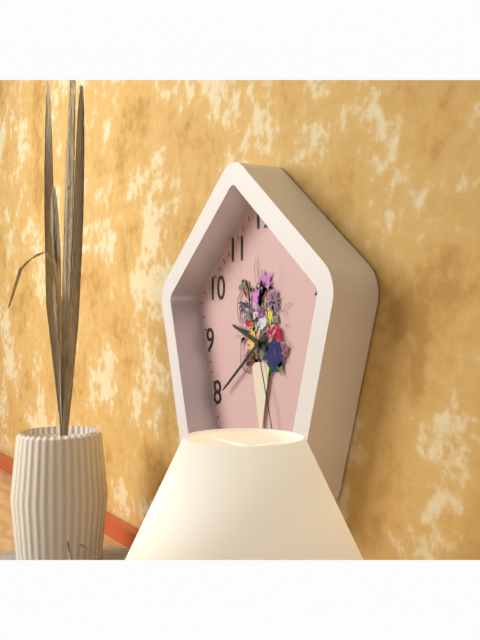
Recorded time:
9,39,27
